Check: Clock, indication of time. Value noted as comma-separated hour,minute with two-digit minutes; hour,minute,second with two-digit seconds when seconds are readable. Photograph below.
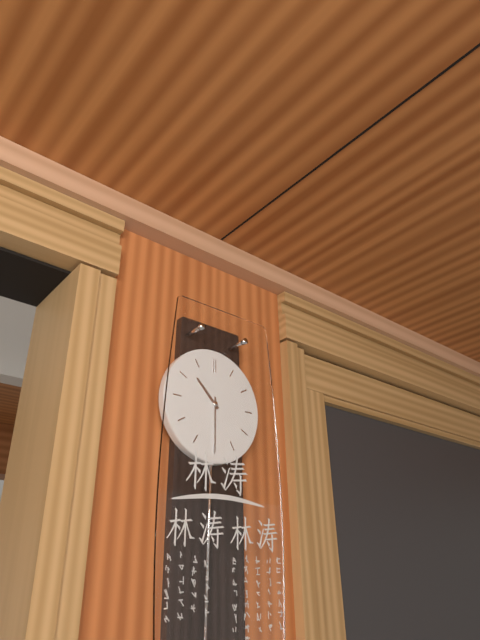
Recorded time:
10,30
